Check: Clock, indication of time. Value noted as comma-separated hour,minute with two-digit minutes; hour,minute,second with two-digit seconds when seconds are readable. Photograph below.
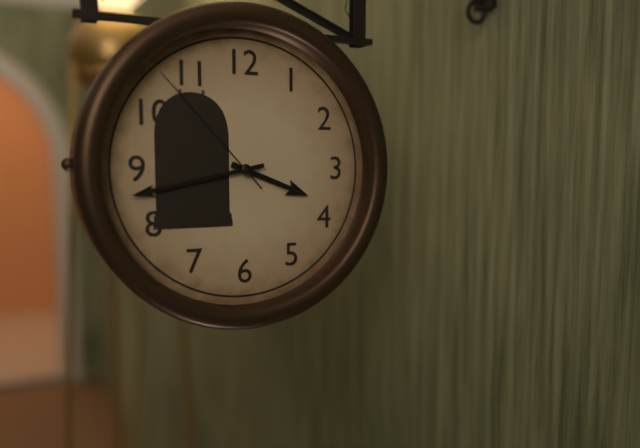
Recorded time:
3,43,53
